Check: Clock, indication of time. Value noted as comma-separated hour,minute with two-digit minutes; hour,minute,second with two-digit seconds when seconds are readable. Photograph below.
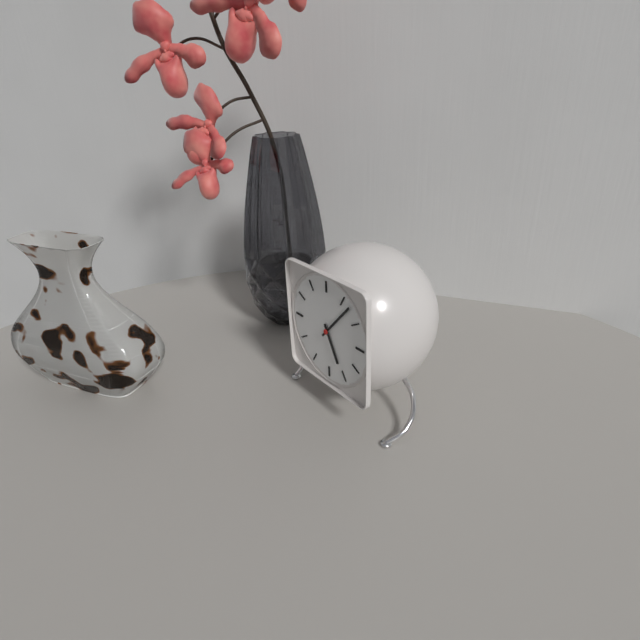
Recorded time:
5,07
